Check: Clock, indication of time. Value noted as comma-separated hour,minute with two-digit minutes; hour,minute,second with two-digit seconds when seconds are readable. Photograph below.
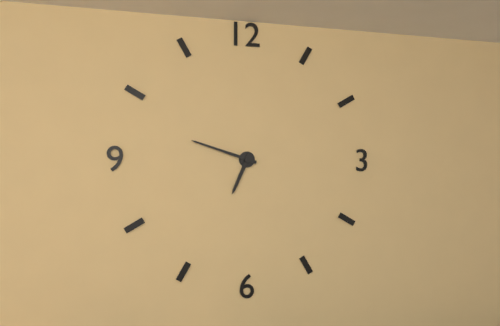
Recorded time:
6,48
